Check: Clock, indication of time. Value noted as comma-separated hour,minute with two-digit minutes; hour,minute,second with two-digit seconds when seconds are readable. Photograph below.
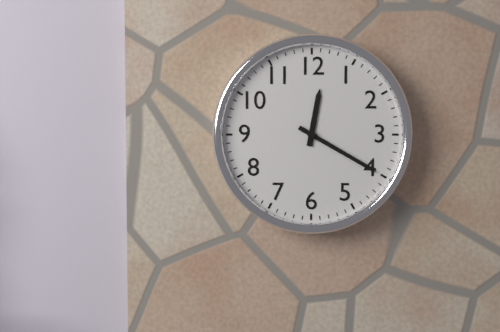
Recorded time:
12,20
